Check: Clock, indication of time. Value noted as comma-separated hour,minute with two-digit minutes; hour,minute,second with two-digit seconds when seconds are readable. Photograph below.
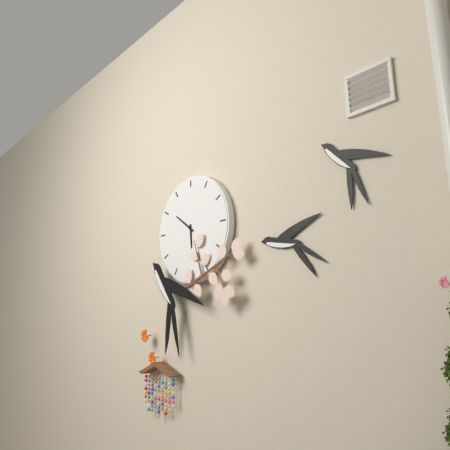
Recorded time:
5,51
